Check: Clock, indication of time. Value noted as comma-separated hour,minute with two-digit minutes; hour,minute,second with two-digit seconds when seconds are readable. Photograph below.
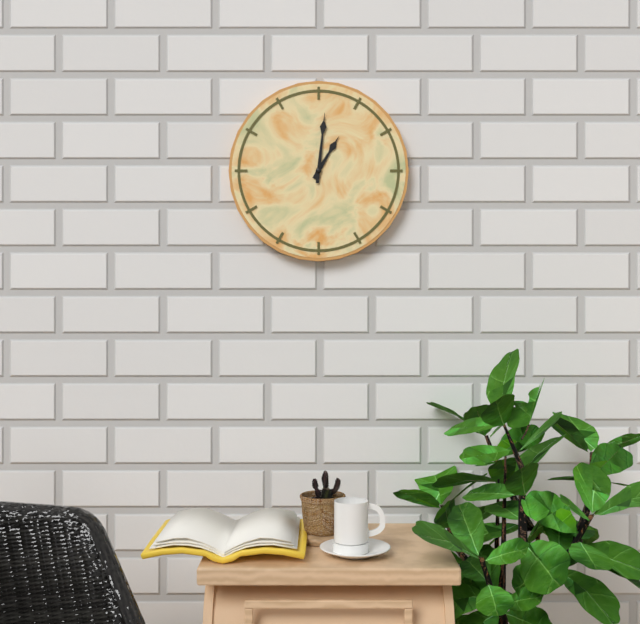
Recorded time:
1,01
